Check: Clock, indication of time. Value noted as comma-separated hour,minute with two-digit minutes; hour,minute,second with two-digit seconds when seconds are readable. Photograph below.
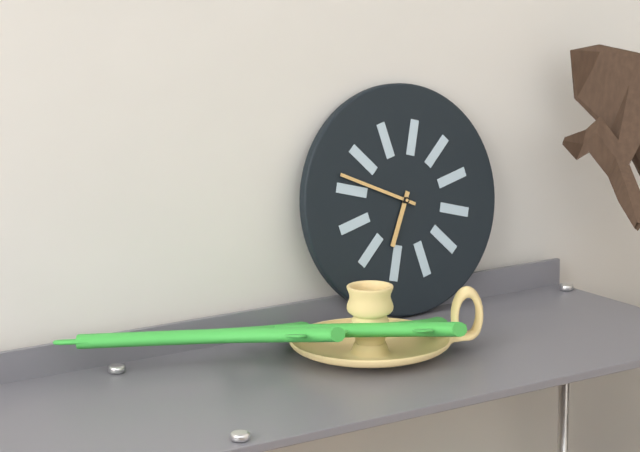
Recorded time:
6,49
